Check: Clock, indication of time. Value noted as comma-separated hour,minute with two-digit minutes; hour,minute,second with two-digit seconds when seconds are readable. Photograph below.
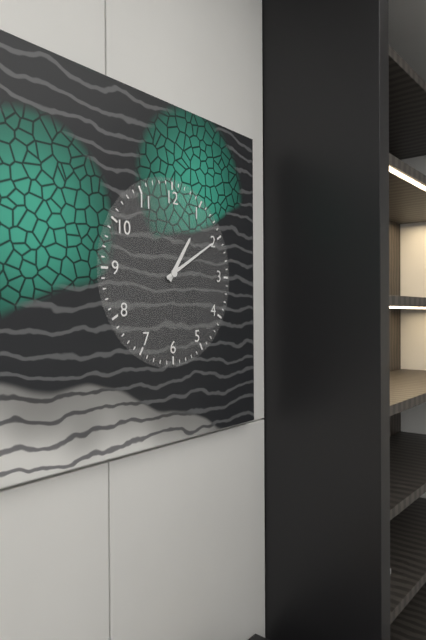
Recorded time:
1,10
